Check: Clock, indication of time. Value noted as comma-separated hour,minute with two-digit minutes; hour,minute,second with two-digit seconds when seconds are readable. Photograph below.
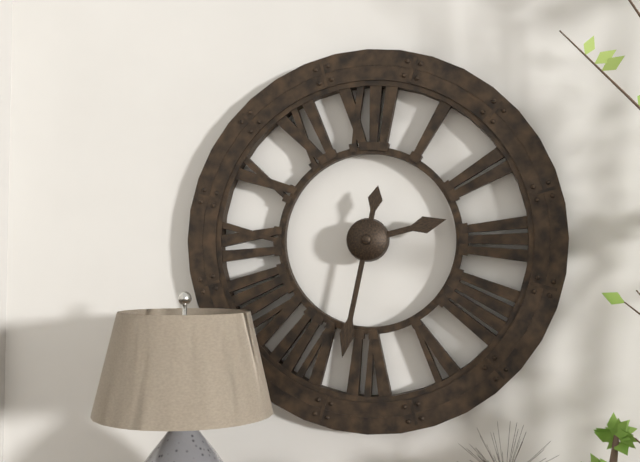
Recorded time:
2,32
